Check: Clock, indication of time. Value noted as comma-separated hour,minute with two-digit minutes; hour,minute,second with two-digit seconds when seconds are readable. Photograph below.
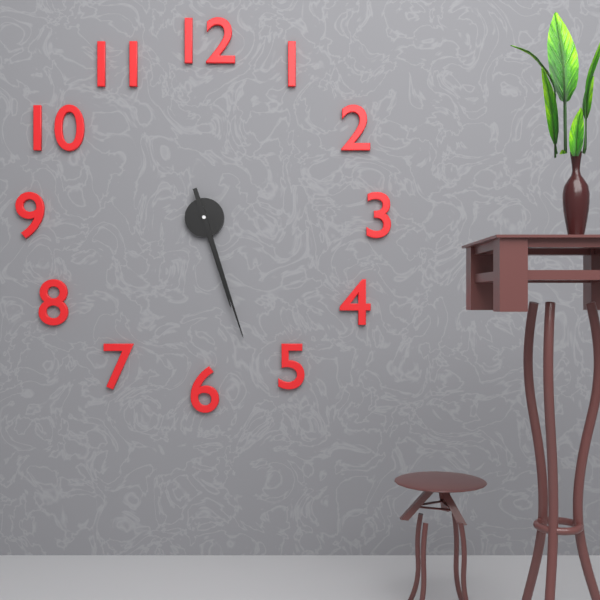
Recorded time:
5,27
